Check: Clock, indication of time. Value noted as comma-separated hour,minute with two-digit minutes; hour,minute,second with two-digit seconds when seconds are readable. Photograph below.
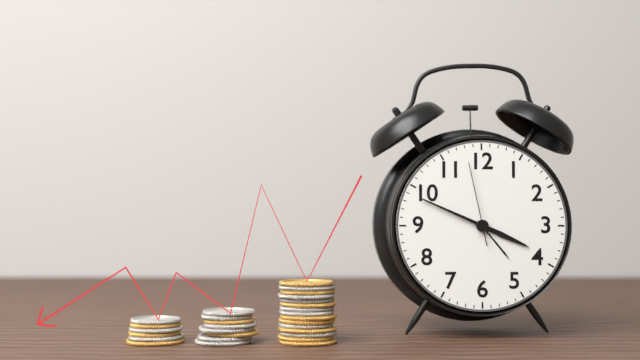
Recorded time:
3,49,58
